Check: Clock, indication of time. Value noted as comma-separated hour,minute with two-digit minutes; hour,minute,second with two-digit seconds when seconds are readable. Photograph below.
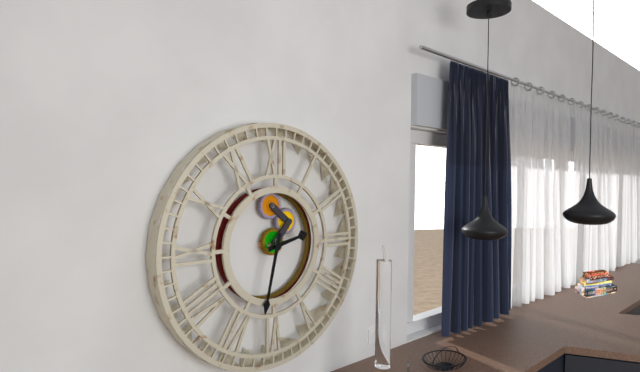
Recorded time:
2,32
